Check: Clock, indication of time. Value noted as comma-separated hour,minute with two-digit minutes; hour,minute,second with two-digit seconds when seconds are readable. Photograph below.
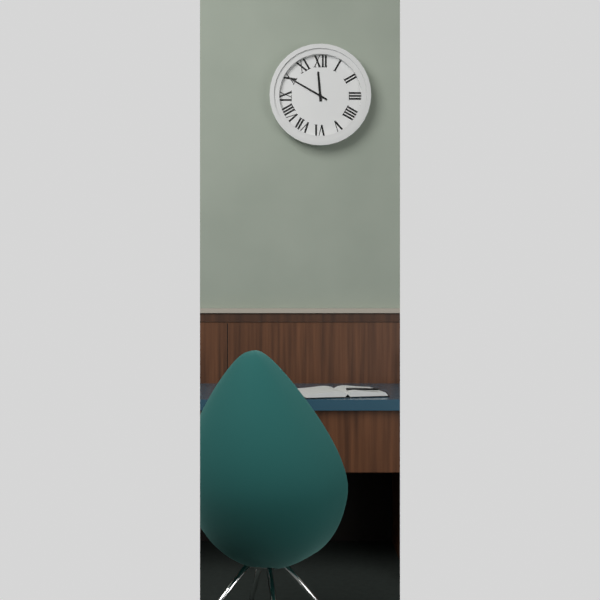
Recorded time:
11,50
